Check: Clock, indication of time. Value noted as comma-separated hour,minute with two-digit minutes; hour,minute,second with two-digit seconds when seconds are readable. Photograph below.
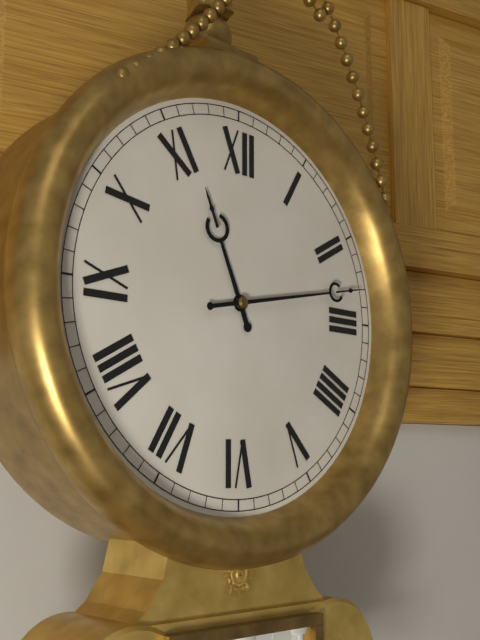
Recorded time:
11,13
